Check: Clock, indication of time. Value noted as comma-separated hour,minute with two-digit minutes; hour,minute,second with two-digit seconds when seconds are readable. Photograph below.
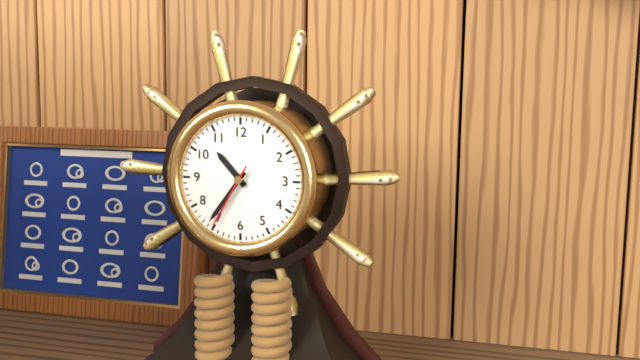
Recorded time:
10,36,35
